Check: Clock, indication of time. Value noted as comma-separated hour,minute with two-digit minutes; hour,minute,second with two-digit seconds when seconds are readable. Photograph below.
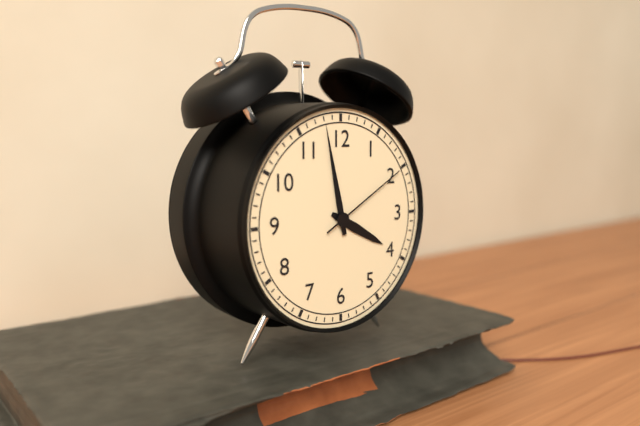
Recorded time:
3,58,10
